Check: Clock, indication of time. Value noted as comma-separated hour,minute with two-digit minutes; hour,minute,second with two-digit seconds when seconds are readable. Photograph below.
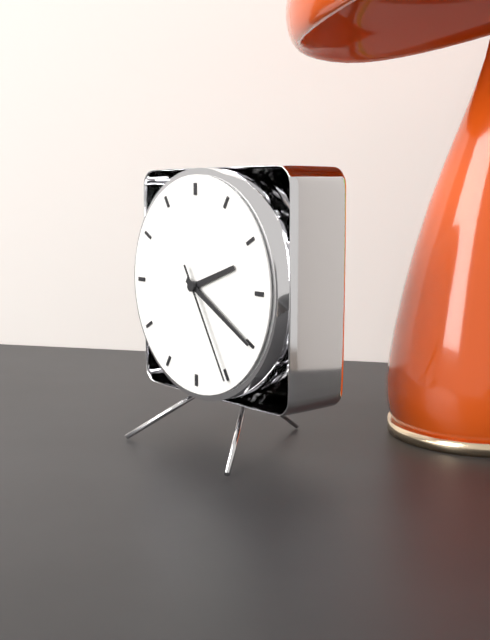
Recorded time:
2,20,25
